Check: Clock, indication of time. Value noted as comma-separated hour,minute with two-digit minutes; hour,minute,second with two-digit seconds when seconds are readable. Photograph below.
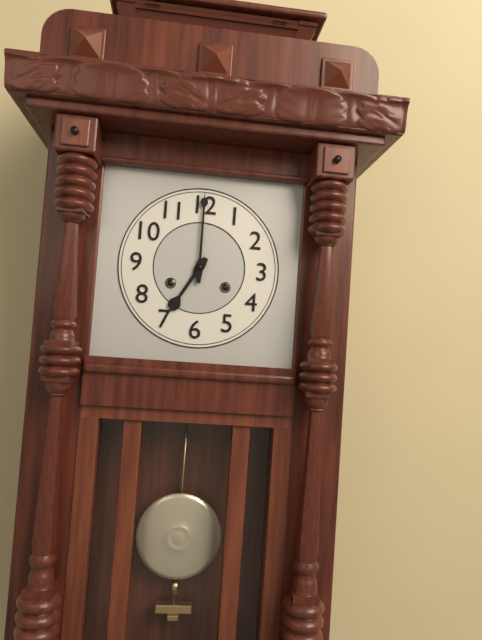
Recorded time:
7,00
